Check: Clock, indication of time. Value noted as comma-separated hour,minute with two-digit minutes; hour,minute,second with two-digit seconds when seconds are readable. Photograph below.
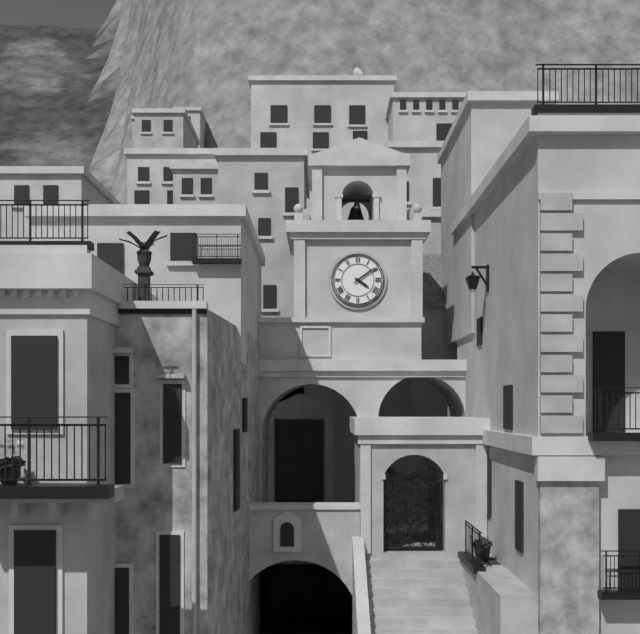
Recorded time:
4,09
